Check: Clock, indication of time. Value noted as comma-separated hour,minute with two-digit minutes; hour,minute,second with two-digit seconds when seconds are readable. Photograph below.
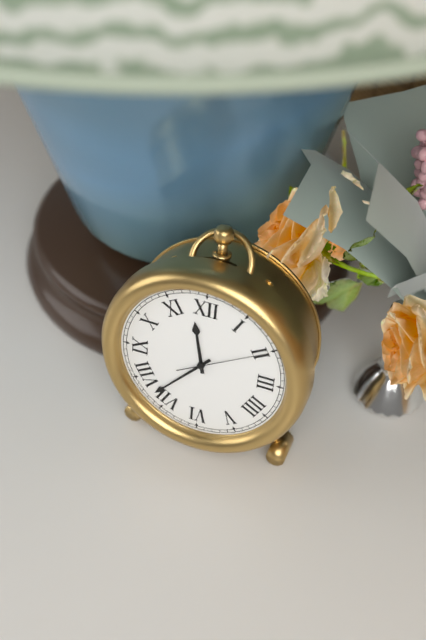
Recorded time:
11,37,10
